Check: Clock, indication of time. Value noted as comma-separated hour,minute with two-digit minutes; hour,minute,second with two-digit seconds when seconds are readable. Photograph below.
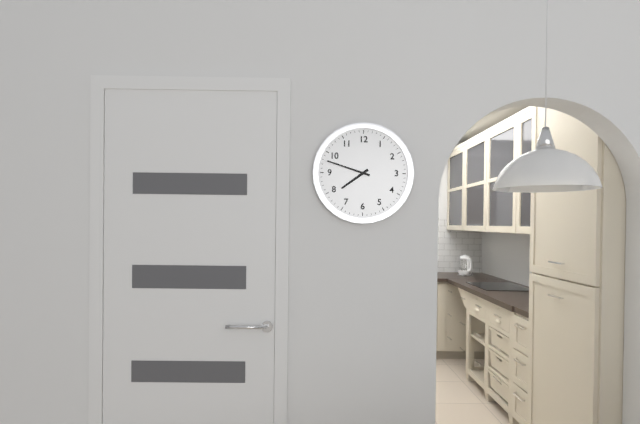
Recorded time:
7,48
